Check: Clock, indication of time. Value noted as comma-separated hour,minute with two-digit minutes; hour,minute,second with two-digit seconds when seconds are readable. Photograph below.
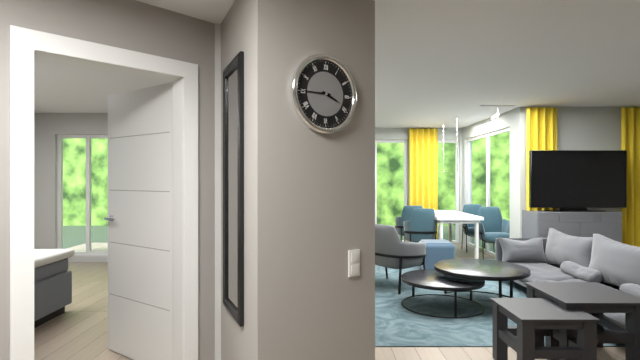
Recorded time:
3,45
